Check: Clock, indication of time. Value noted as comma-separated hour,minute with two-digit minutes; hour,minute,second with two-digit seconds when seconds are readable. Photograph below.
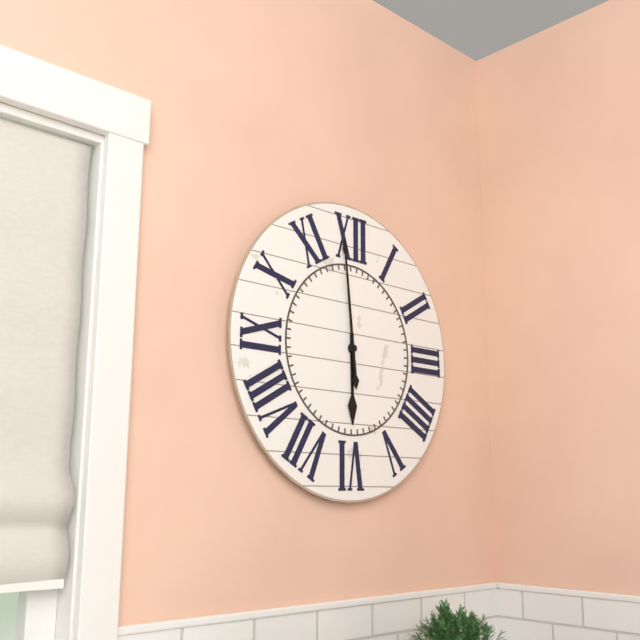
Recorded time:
5,59
